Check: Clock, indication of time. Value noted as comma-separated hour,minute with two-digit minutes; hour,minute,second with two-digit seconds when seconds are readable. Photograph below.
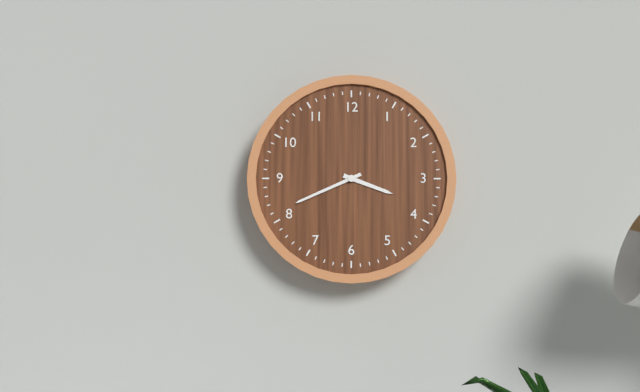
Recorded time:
3,41
